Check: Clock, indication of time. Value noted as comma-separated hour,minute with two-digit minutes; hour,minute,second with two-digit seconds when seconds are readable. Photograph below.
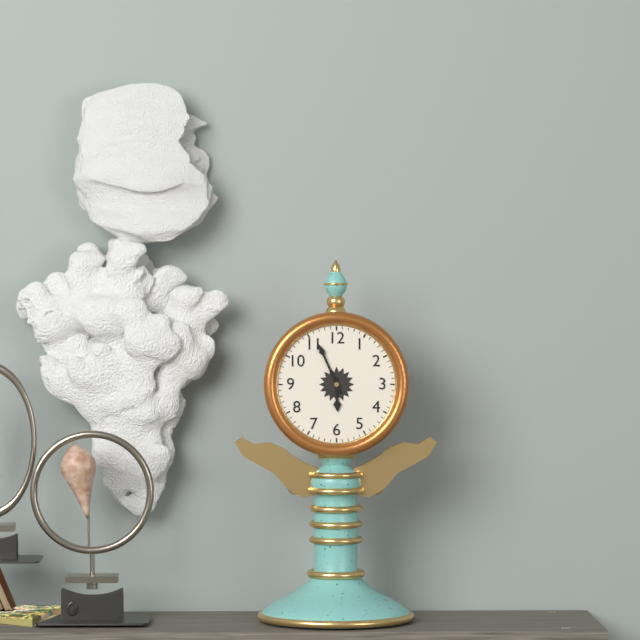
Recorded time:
5,56
